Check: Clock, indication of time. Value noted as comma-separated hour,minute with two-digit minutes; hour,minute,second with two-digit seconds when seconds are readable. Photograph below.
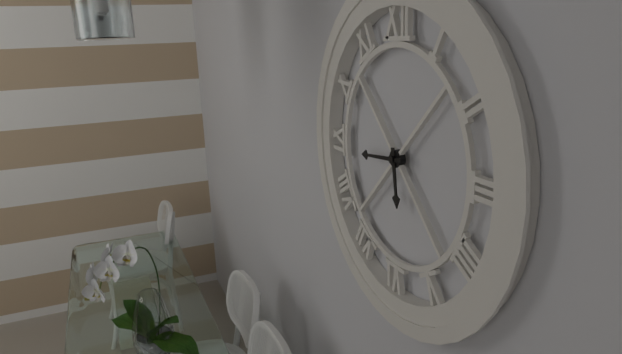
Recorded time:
5,44
